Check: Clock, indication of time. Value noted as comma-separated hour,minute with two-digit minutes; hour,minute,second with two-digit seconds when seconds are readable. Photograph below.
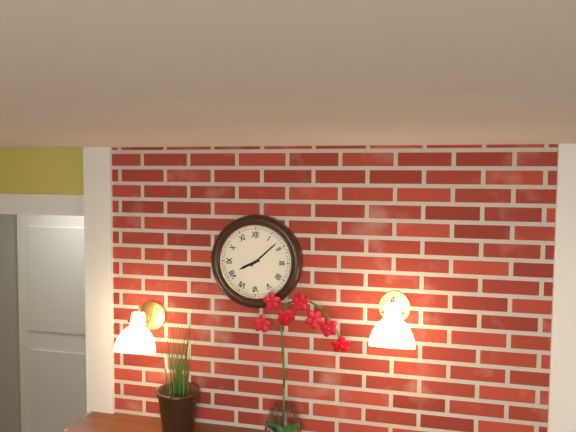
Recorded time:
8,08
